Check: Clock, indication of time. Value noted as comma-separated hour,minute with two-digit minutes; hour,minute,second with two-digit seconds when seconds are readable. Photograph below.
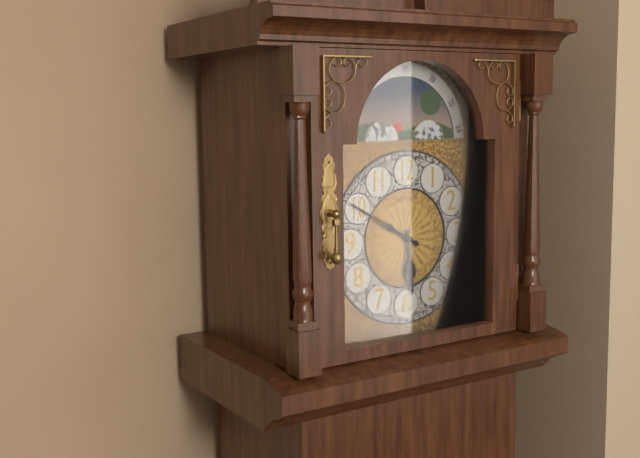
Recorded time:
5,50
